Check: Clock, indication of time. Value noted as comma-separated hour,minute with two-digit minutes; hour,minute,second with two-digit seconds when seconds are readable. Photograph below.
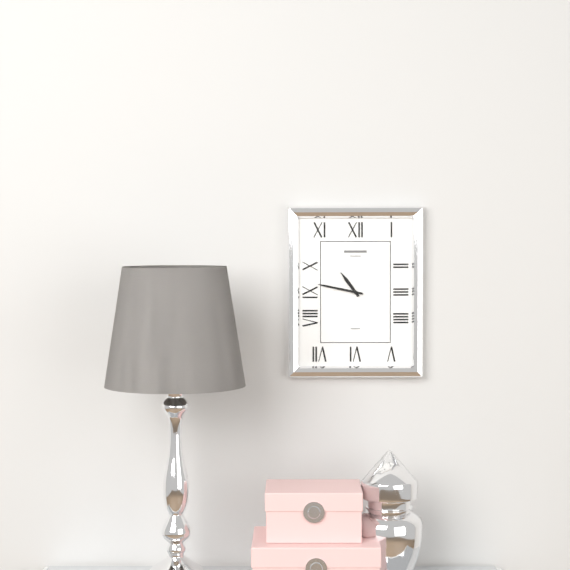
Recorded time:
10,47
